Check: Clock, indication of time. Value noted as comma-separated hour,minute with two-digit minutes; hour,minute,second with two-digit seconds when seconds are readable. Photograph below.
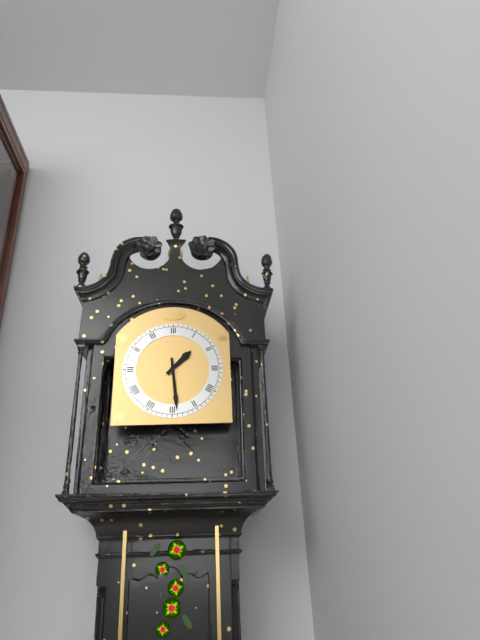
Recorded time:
1,29
